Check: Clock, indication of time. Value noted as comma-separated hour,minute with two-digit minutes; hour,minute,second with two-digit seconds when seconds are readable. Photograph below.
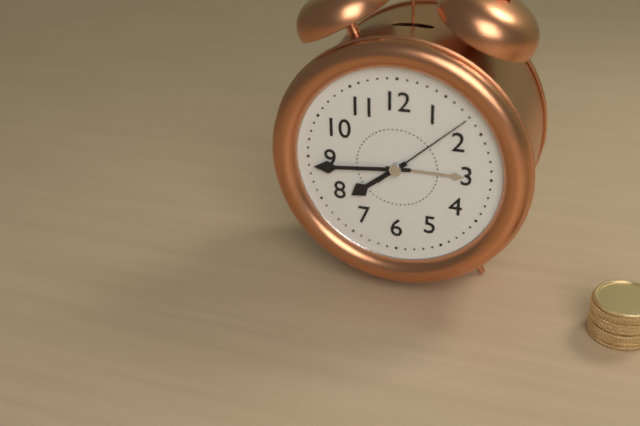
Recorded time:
7,44,08
